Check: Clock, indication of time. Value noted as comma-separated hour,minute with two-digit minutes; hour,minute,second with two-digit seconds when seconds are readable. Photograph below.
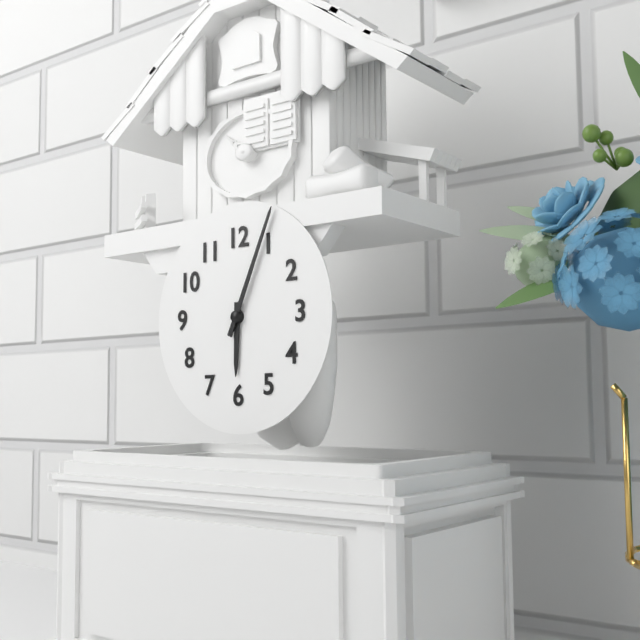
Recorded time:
6,04
